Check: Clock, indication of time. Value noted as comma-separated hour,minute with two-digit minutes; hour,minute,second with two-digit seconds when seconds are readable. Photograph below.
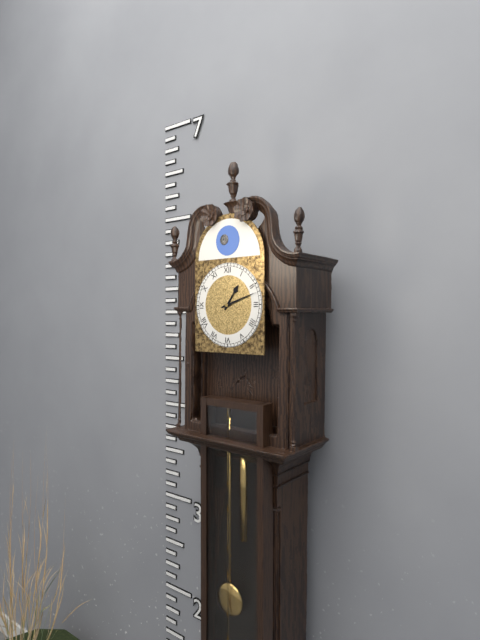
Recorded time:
1,12
